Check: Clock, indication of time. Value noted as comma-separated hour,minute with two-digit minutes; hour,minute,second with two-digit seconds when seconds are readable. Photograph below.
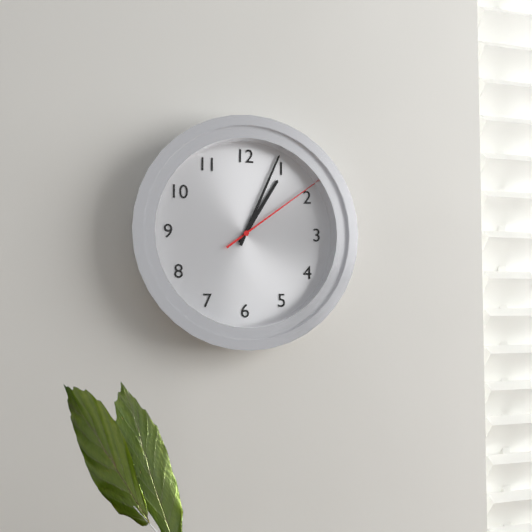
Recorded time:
1,04,09
